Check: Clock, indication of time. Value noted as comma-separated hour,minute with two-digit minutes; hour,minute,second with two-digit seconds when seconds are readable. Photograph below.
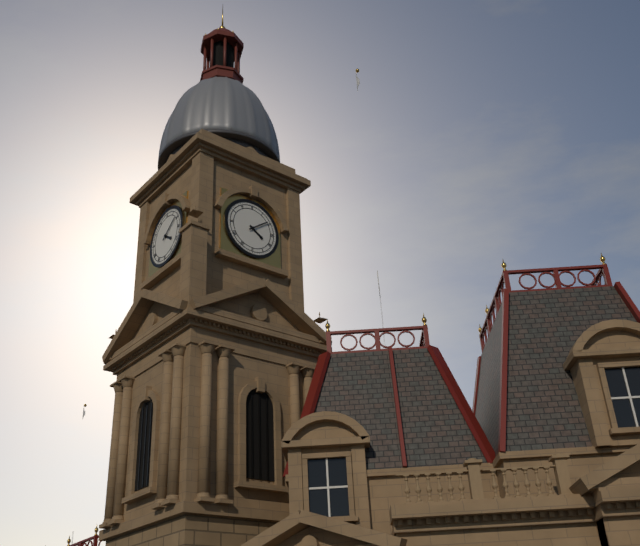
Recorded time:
4,09
